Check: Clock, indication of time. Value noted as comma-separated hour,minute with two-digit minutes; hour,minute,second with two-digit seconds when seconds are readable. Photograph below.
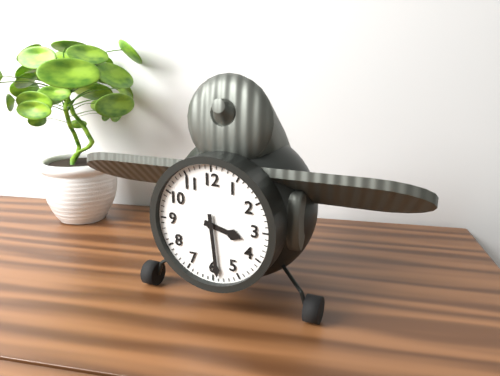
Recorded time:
3,29
